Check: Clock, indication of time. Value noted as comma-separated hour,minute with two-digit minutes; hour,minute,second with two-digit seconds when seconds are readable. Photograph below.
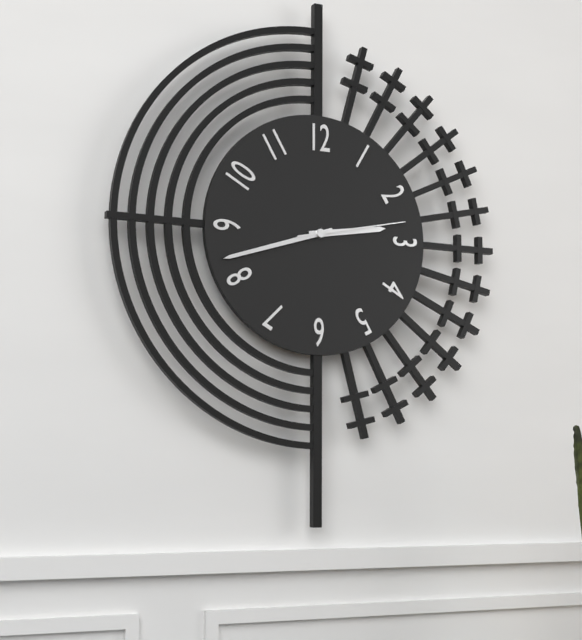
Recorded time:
2,42,13
